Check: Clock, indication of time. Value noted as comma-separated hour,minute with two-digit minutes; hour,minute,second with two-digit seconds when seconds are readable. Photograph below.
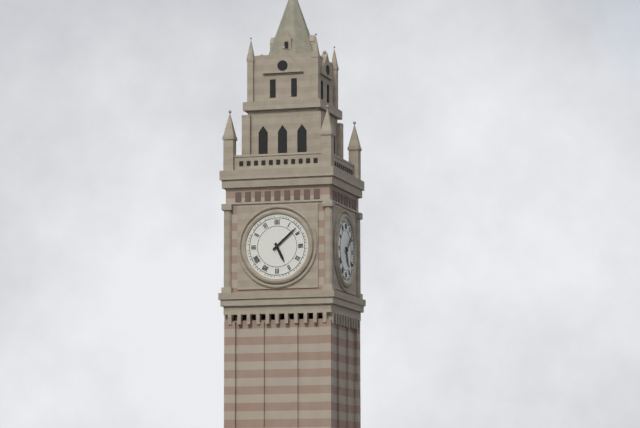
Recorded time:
5,08
